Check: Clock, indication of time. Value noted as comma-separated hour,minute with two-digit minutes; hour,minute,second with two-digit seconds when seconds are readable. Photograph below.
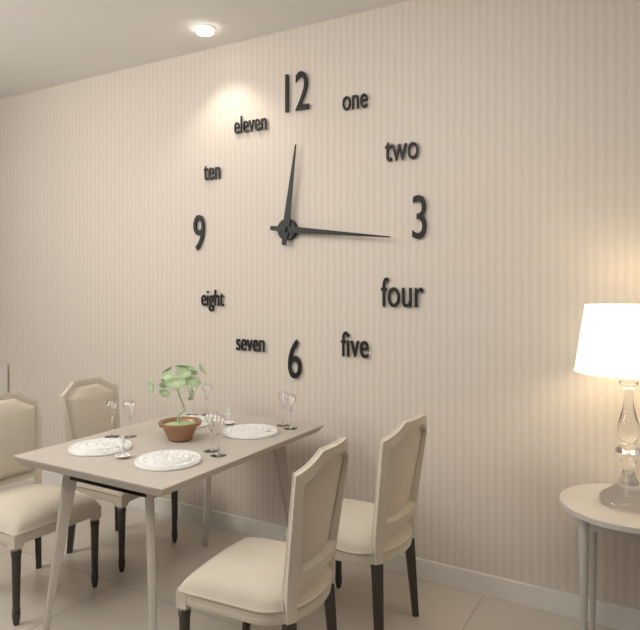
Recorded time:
12,16
